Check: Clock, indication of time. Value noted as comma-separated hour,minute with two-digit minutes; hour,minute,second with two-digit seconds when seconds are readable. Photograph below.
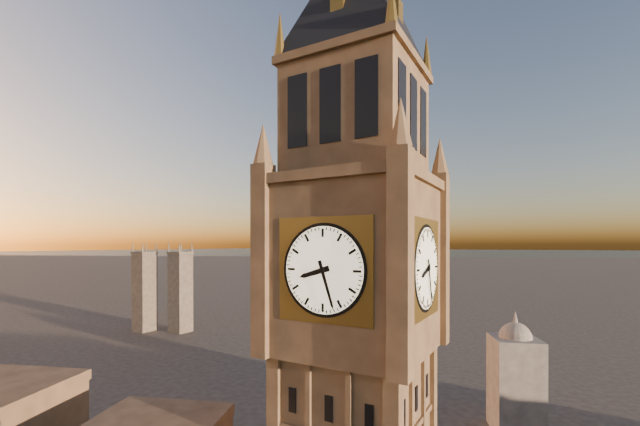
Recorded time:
8,27
